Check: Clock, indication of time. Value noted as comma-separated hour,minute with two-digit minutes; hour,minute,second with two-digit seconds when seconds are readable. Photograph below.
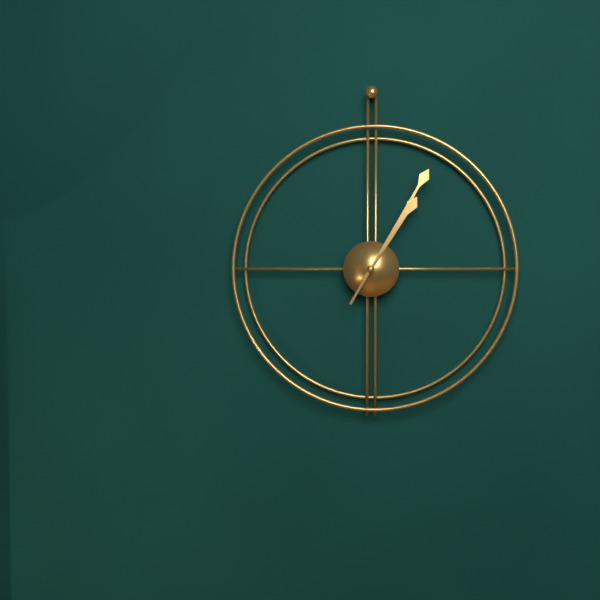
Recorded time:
1,05
